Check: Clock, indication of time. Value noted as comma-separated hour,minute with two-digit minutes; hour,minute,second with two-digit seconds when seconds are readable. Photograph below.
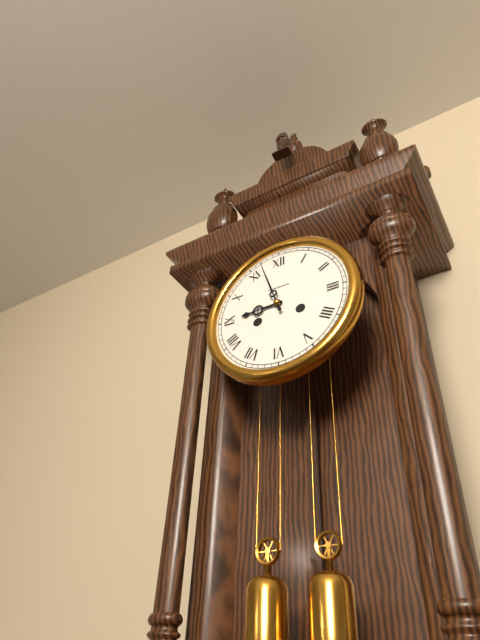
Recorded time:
8,57
